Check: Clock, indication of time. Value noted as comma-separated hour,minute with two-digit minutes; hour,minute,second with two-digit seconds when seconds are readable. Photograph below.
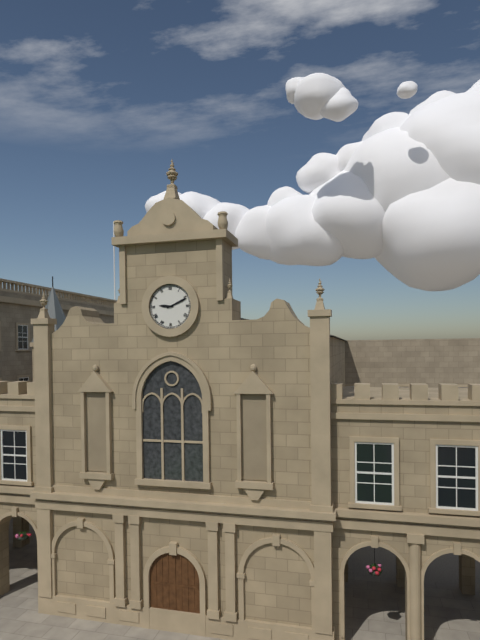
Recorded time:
9,11
